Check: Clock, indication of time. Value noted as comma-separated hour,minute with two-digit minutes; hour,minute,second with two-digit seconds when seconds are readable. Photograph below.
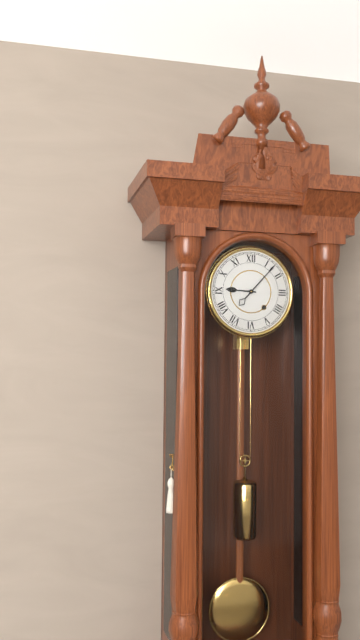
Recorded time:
9,07
